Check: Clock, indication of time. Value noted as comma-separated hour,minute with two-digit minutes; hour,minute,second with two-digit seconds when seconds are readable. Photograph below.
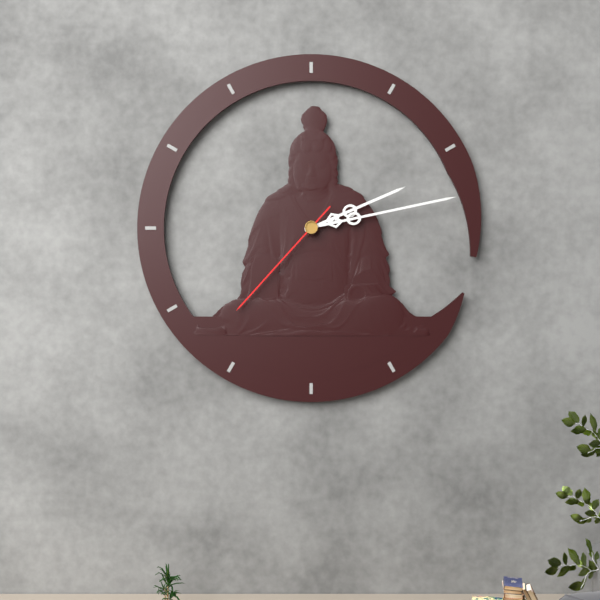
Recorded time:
2,13,37
